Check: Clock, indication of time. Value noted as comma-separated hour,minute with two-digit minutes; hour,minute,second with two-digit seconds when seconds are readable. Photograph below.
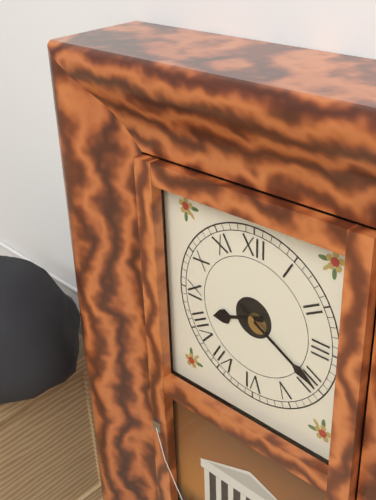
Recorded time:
8,20
